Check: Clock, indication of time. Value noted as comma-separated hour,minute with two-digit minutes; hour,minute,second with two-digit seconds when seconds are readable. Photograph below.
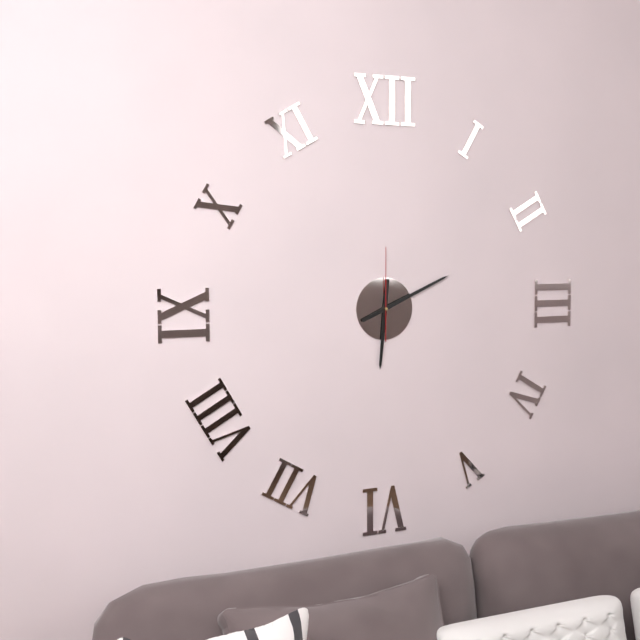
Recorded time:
6,11,00
